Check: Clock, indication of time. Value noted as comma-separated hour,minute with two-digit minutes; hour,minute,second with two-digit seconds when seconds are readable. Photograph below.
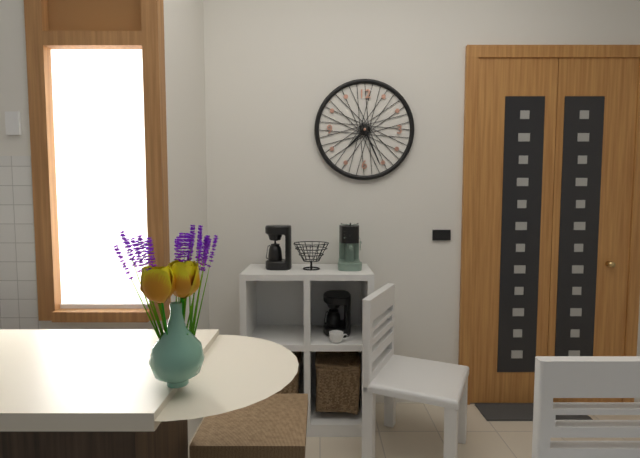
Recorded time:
7,26
